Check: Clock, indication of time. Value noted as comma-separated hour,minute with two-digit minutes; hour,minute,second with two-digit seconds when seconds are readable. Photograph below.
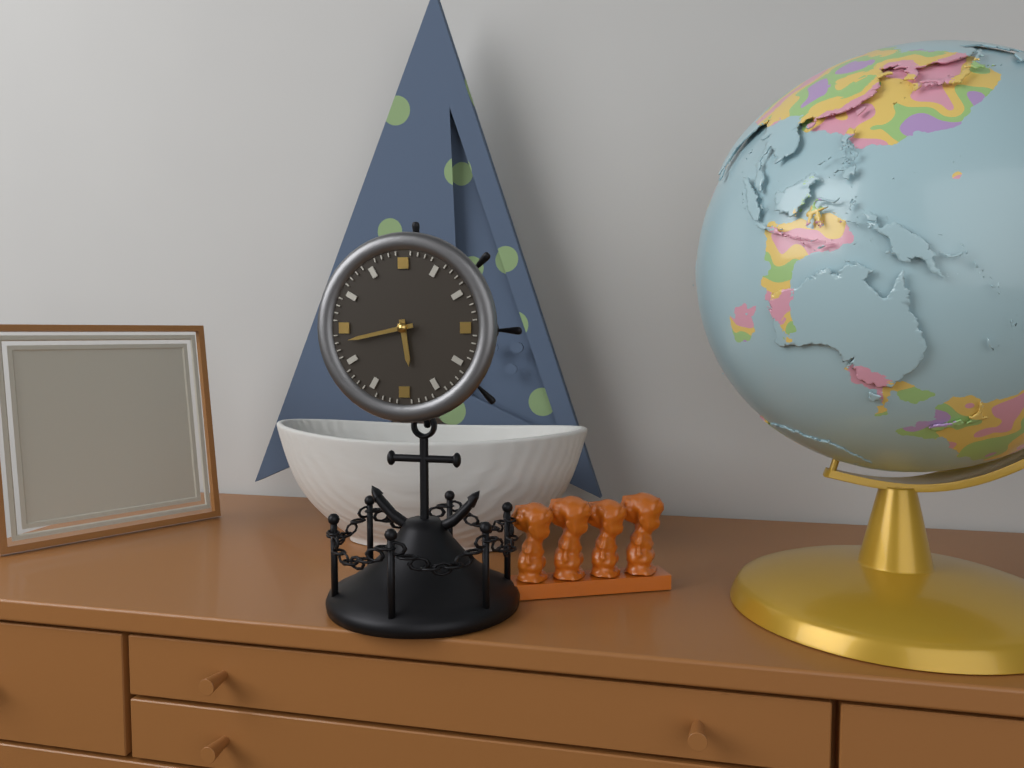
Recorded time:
5,43
